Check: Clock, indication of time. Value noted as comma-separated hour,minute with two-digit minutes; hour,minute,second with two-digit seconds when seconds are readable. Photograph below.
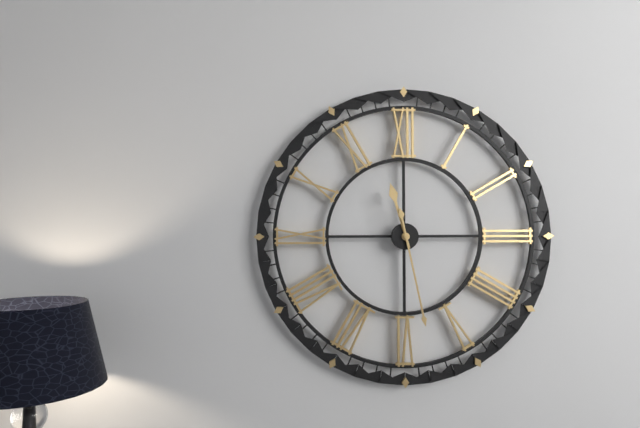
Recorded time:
11,28
